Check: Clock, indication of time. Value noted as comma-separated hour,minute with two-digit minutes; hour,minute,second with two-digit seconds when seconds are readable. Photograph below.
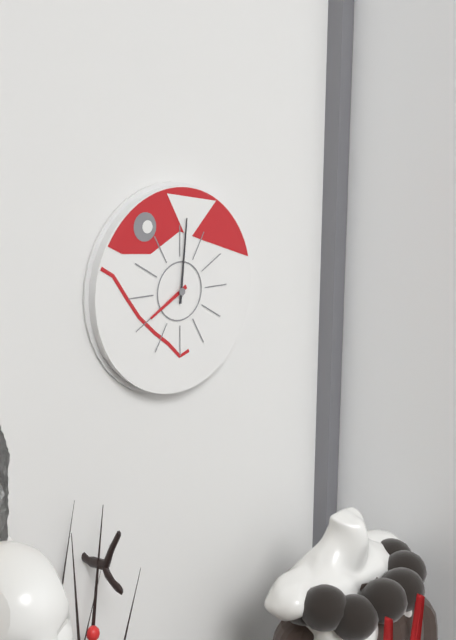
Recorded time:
8,01
